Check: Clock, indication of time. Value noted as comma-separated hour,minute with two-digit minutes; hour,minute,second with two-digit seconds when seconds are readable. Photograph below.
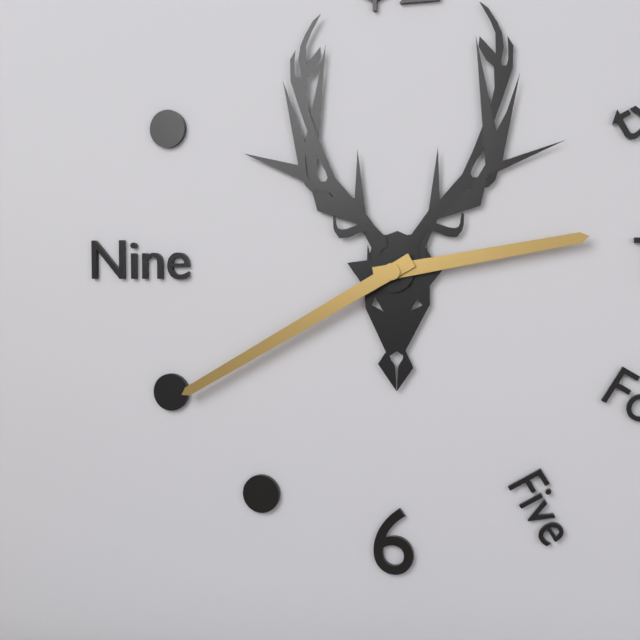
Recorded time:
2,40
